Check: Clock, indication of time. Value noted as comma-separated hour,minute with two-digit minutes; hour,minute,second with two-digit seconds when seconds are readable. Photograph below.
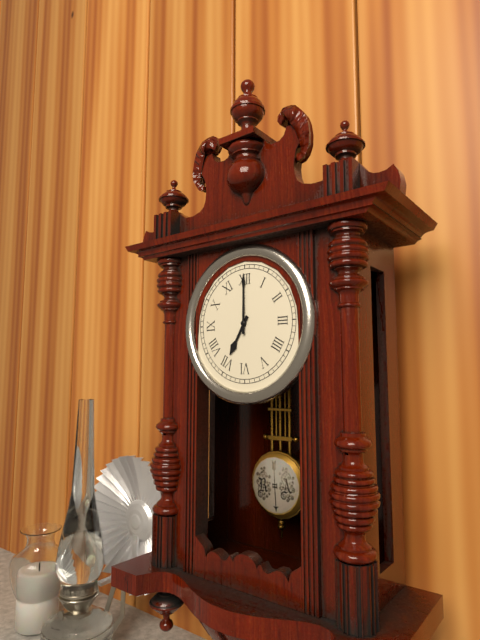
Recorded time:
7,00
